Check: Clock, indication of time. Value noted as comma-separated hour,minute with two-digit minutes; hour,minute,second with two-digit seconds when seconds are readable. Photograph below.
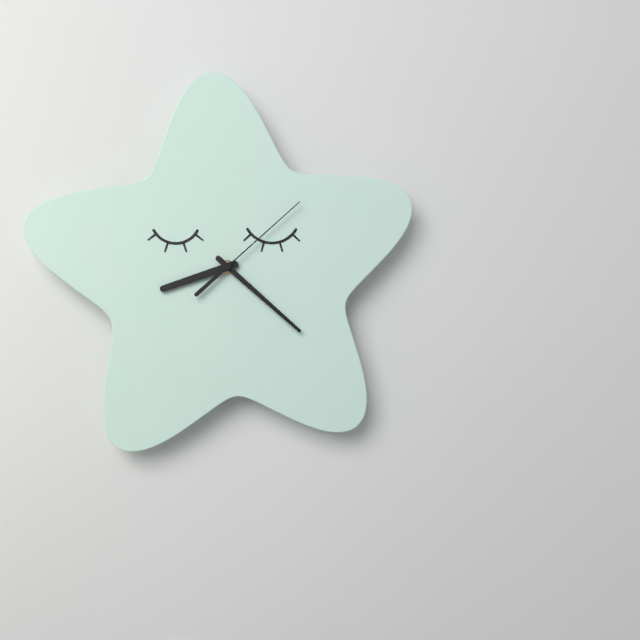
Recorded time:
8,22,08
